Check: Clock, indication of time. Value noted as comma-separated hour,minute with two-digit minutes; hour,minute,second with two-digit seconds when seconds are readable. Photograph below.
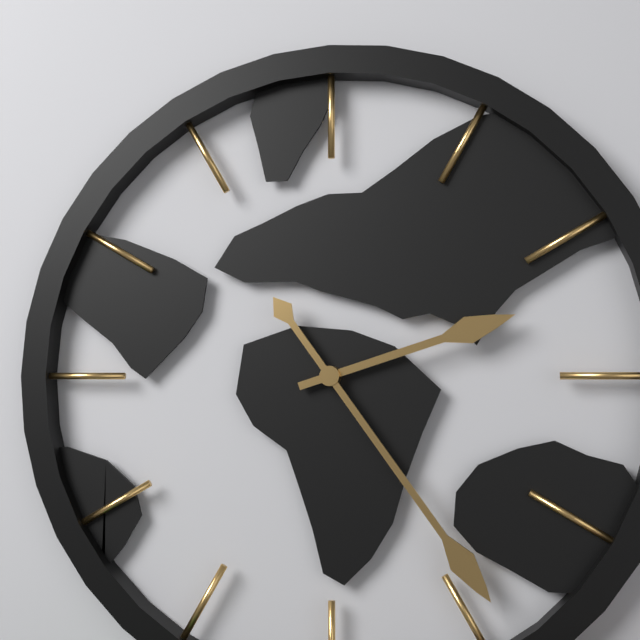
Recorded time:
2,24
